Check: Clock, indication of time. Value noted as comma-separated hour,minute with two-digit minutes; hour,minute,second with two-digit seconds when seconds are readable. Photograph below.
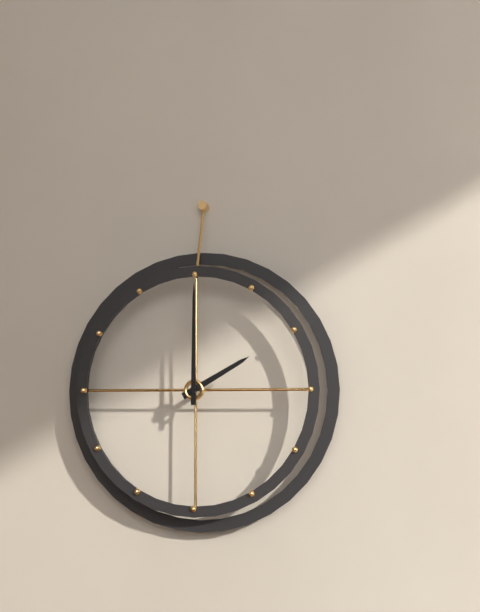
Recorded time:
2,00
